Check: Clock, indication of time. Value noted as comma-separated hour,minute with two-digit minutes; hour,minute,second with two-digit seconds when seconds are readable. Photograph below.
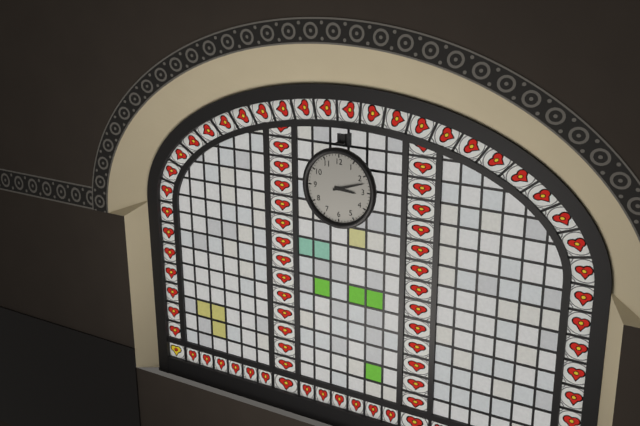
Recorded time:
3,12
